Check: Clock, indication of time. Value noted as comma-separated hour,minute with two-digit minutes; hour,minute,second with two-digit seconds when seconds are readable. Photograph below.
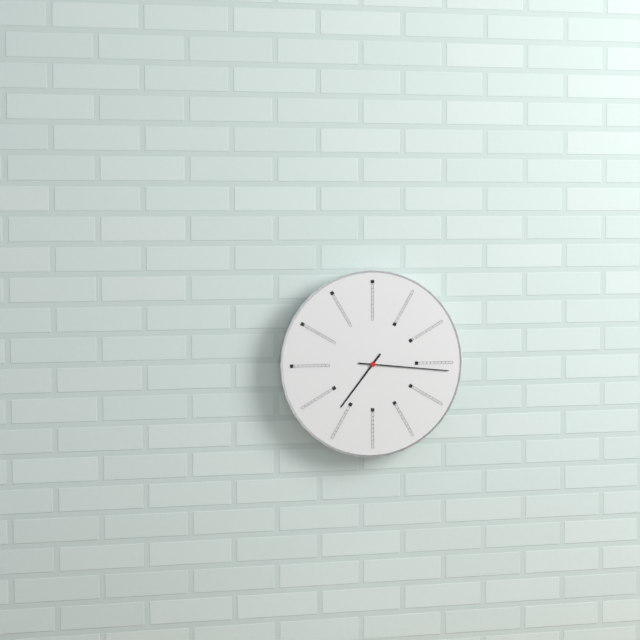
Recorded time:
7,16
